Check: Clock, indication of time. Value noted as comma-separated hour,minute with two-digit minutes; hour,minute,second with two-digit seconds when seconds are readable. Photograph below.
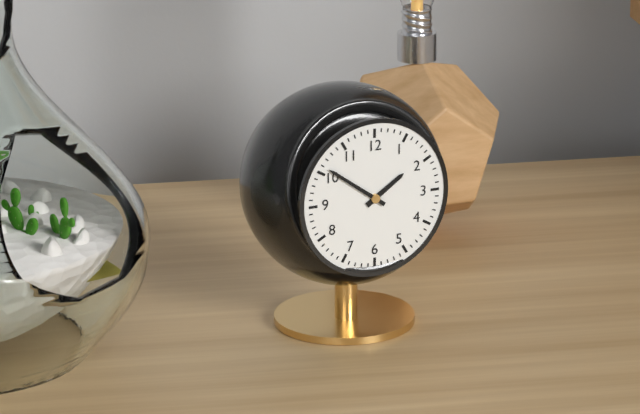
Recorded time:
1,51
